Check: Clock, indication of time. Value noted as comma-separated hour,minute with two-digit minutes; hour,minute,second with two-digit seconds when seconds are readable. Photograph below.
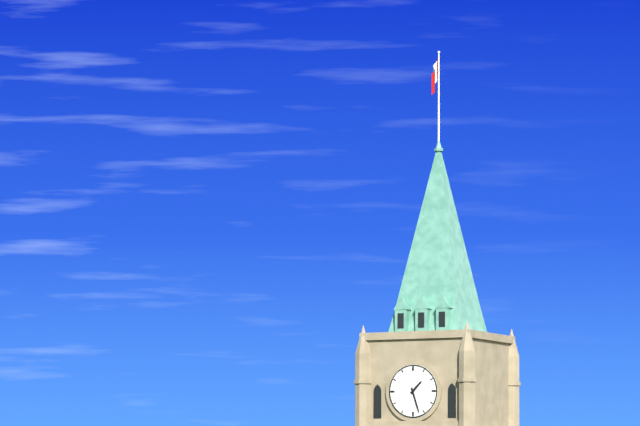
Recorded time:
1,27
